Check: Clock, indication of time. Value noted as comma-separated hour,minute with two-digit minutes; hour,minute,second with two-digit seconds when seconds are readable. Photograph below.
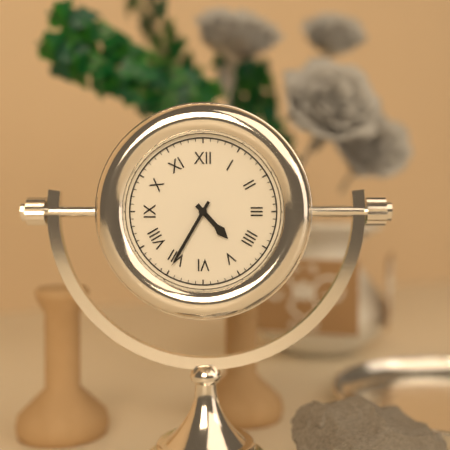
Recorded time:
4,35
